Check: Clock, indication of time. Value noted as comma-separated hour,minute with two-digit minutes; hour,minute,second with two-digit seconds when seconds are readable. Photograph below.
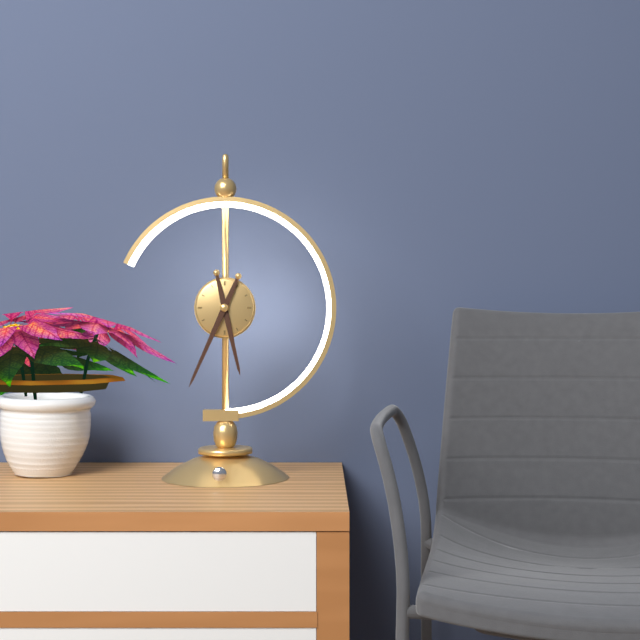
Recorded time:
5,34
